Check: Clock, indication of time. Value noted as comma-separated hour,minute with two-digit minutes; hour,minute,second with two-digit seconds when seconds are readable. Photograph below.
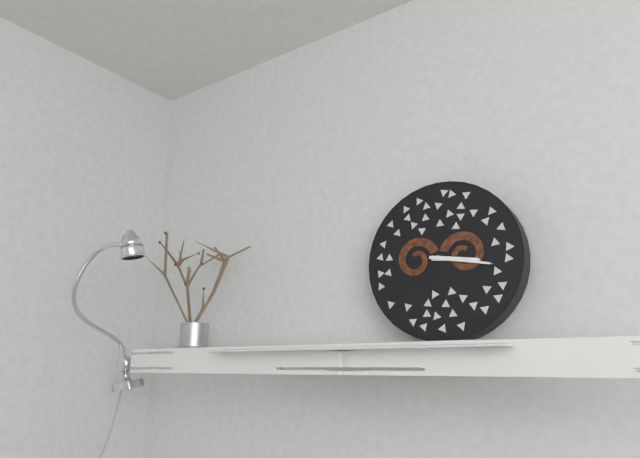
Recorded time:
3,17
